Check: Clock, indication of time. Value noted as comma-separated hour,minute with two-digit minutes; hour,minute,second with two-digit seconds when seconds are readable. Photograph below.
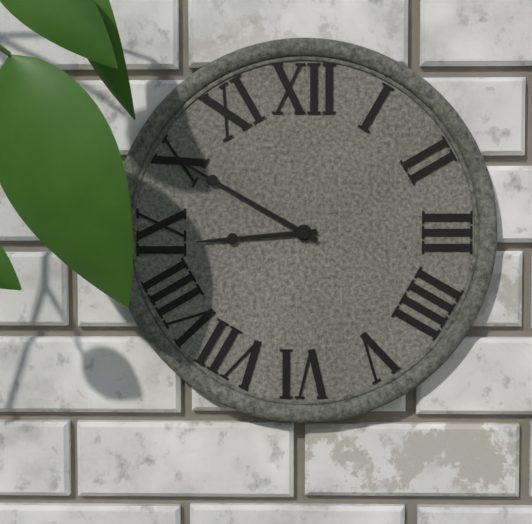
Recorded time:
8,50
